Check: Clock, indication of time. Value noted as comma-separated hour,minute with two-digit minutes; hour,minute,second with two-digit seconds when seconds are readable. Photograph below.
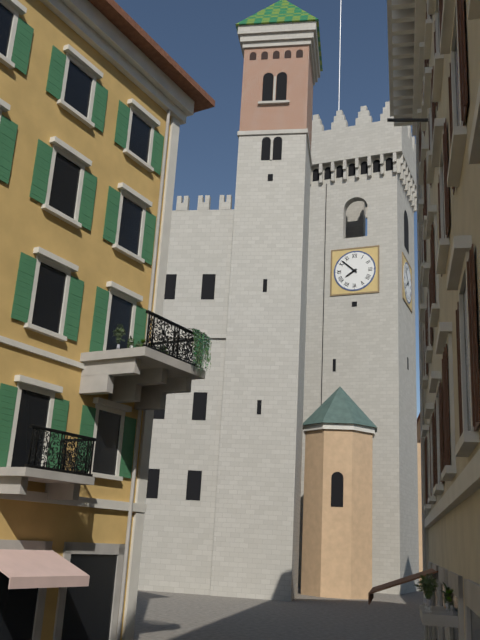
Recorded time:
7,52
